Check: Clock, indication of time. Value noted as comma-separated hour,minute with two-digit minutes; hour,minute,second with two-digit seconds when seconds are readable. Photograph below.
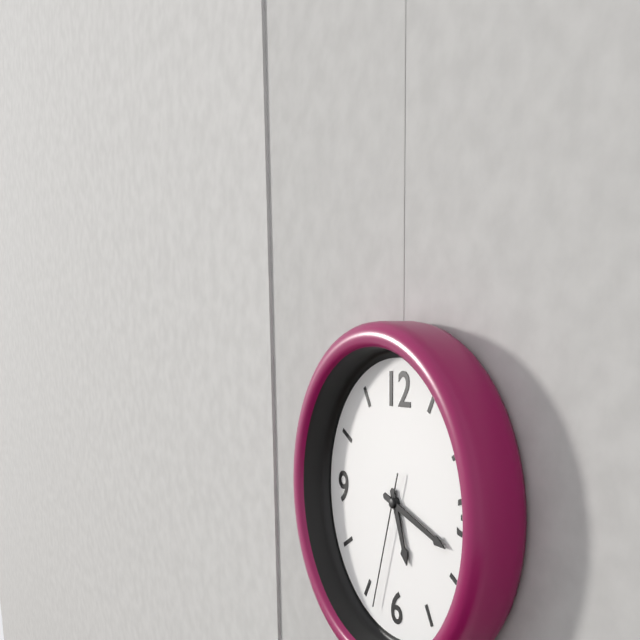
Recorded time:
5,18,33
